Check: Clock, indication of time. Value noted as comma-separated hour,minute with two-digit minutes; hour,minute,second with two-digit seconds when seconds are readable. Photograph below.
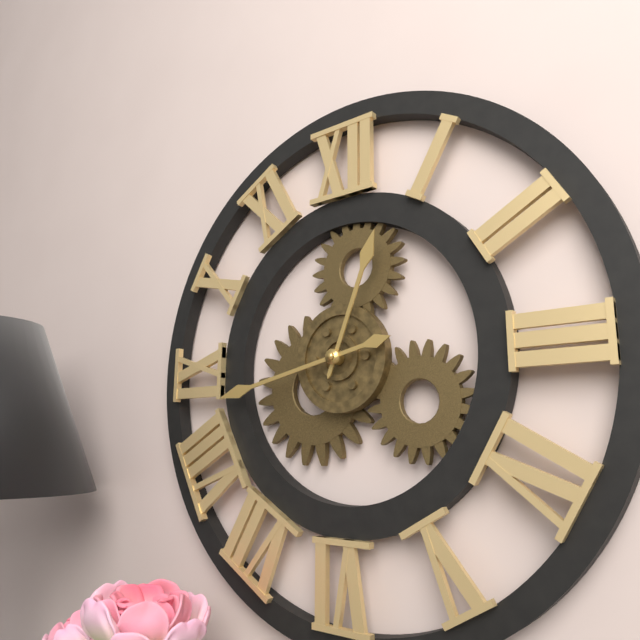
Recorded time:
12,43
